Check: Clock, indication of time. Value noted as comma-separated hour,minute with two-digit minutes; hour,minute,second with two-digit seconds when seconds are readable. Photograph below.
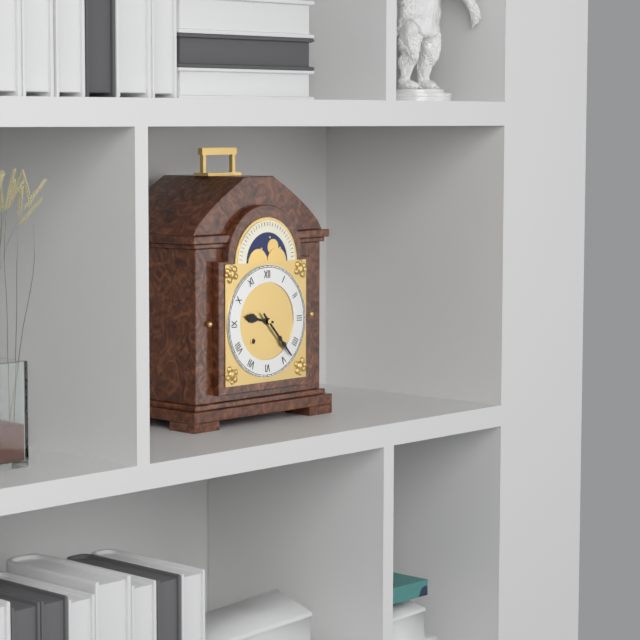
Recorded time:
9,23
